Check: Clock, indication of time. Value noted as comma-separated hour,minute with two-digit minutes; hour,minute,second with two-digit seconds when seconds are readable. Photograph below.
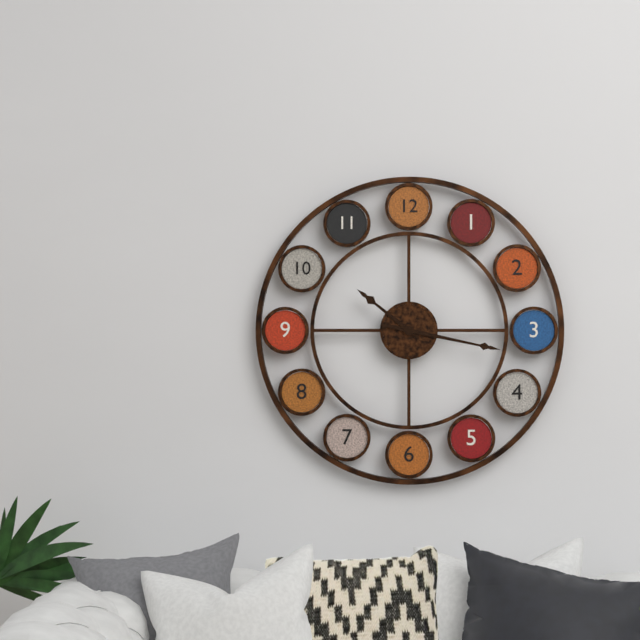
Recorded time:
10,17
